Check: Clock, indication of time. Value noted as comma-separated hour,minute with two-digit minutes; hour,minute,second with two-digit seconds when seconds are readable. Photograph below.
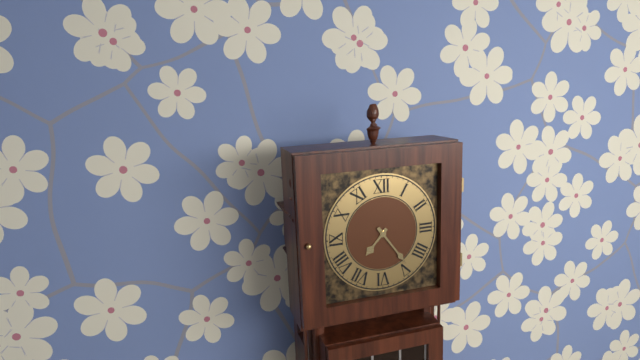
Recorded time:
7,24
